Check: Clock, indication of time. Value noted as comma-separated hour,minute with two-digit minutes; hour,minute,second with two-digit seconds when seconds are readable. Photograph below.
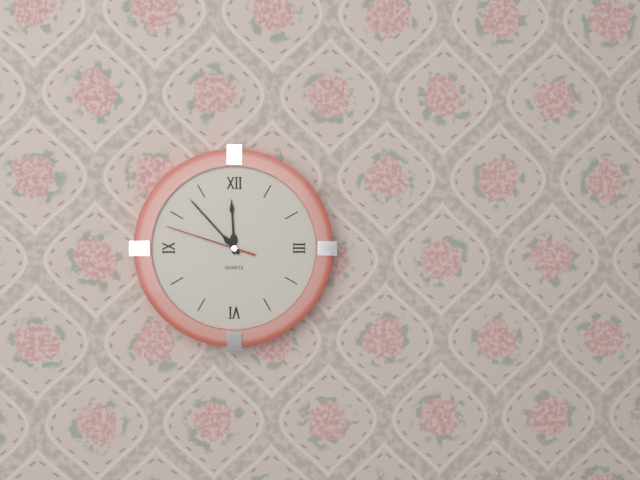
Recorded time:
11,53,48
